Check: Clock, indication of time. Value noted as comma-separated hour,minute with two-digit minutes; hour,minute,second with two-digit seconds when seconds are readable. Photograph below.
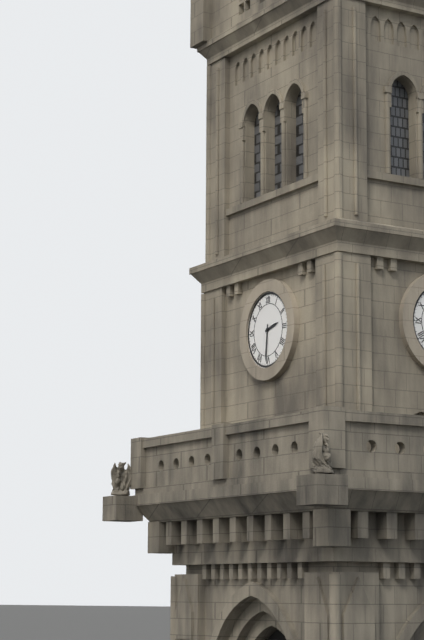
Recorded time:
2,31
